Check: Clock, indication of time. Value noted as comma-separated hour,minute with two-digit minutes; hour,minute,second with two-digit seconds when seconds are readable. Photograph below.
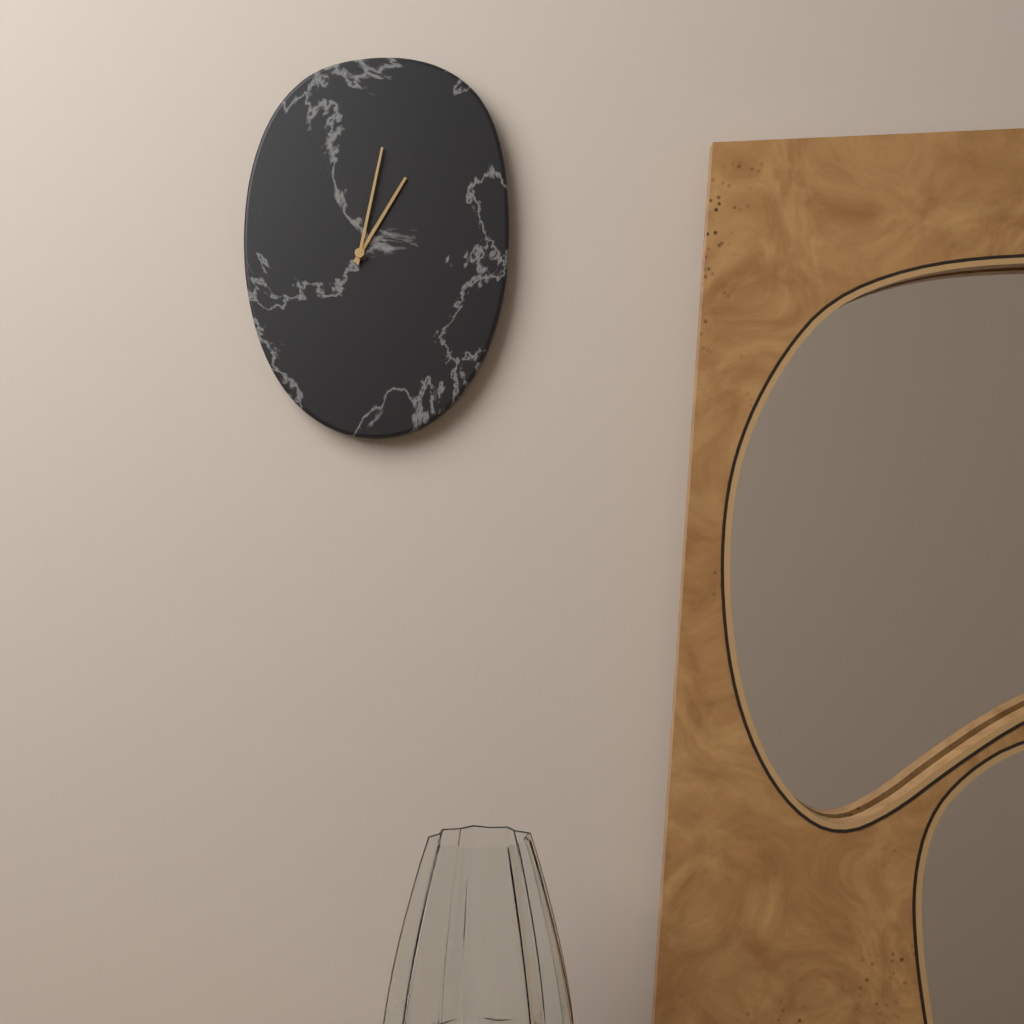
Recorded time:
1,02
